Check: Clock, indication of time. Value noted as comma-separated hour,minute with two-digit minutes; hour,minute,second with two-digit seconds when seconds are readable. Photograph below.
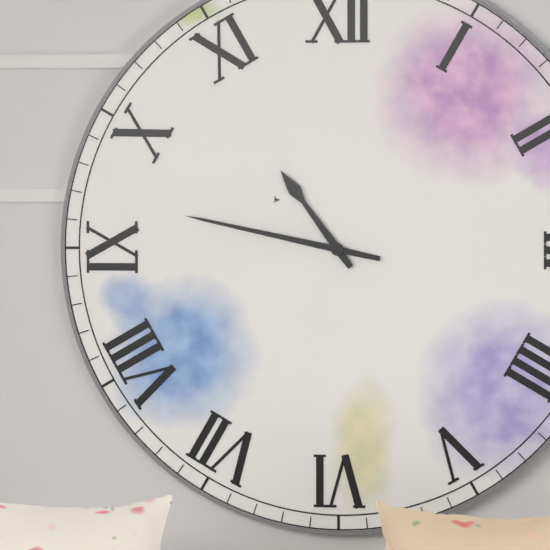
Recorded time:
10,47
